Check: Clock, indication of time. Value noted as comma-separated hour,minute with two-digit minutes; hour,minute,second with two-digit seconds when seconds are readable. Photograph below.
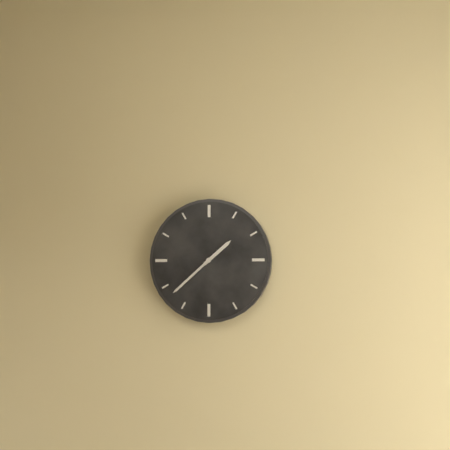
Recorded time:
1,38
